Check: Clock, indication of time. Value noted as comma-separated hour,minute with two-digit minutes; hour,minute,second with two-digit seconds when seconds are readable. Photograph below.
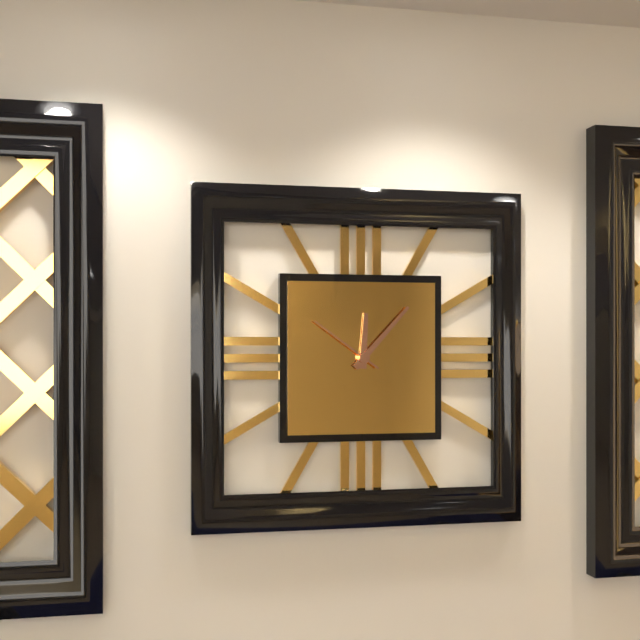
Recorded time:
12,07,51
